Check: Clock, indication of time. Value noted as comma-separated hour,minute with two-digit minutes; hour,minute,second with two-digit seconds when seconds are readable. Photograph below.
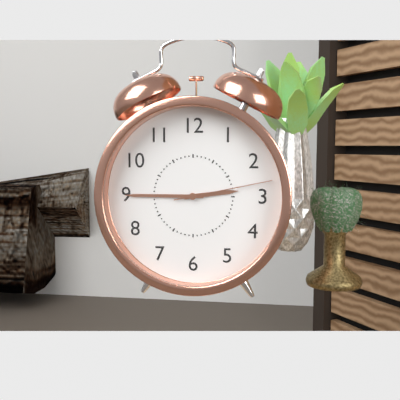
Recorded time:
2,45,13
